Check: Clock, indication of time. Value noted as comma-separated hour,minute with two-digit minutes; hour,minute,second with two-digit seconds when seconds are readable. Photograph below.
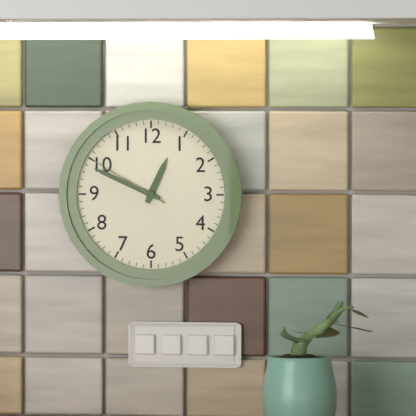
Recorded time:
12,49,50
